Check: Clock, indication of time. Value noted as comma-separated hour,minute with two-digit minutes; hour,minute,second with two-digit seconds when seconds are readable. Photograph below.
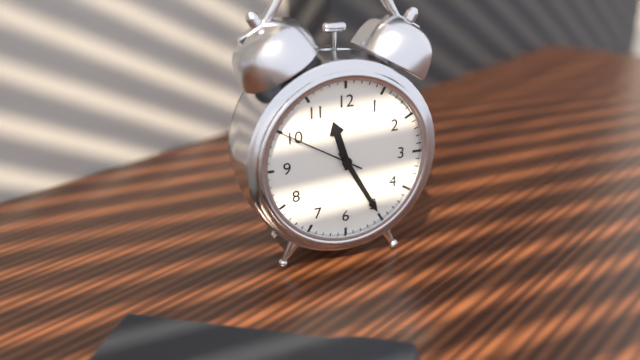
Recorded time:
11,25,50
